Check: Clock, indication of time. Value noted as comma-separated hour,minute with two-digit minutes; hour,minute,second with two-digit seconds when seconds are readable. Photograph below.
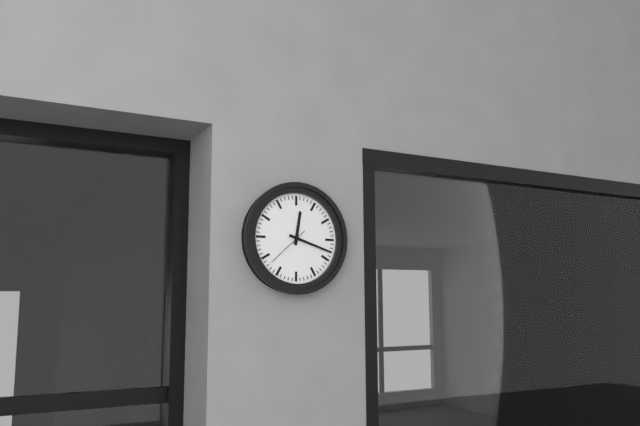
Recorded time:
12,18
